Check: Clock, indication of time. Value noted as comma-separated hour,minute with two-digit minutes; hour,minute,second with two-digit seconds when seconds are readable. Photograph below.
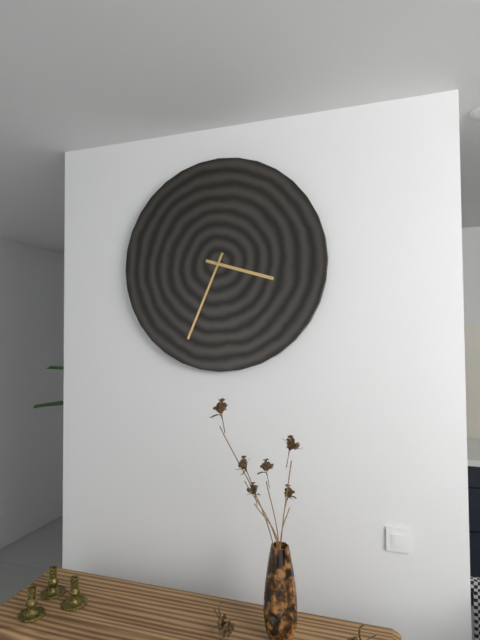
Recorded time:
3,34
